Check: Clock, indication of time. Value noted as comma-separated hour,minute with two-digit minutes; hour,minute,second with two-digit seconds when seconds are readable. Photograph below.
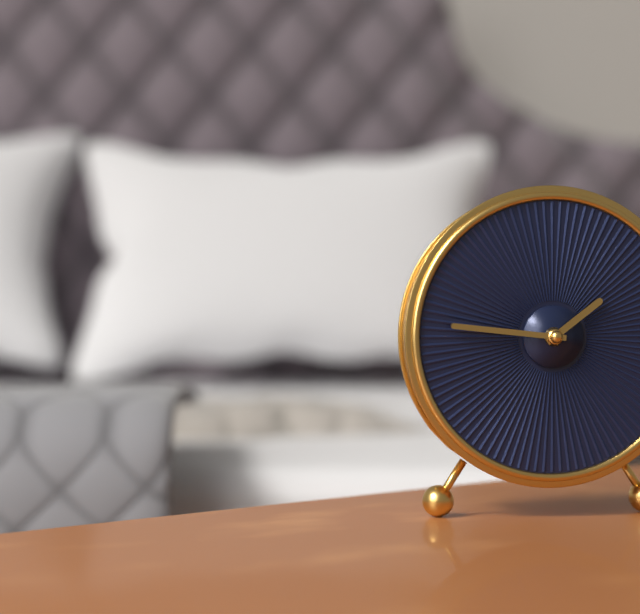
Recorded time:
1,46
